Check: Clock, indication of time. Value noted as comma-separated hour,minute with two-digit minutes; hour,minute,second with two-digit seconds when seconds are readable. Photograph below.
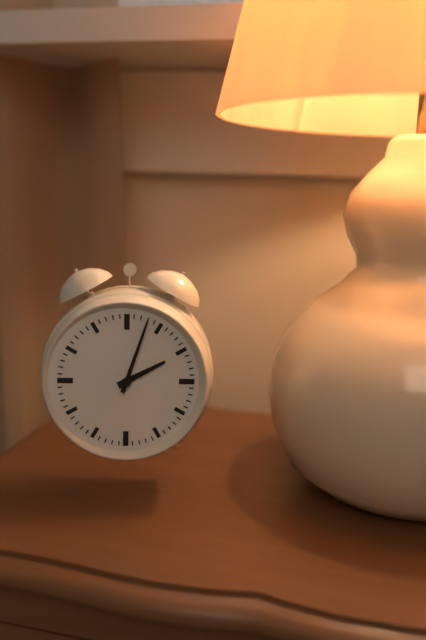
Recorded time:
2,03
